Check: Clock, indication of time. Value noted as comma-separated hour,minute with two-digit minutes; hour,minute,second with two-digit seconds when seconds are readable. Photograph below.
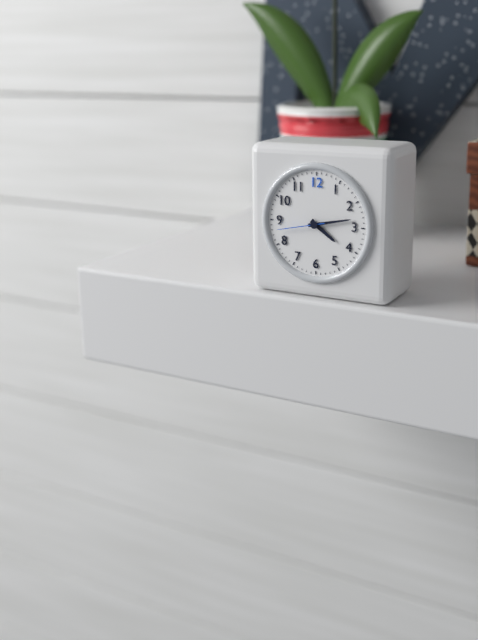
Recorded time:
4,13
